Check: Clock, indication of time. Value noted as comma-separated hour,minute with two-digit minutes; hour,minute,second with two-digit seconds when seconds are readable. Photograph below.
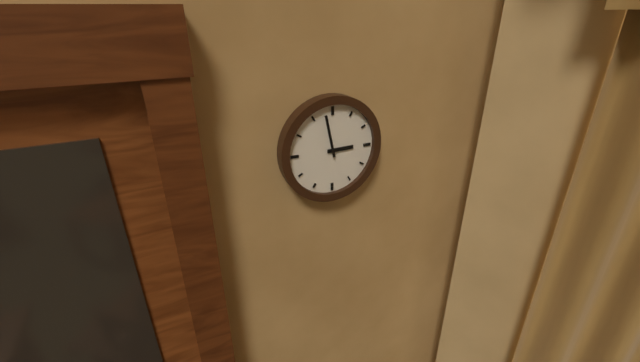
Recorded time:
2,58
